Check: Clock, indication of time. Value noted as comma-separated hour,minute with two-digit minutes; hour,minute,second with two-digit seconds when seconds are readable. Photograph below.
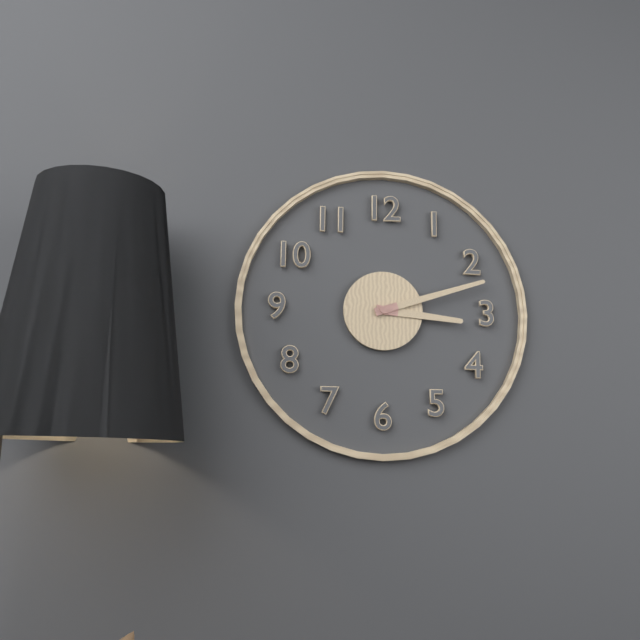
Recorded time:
3,12
